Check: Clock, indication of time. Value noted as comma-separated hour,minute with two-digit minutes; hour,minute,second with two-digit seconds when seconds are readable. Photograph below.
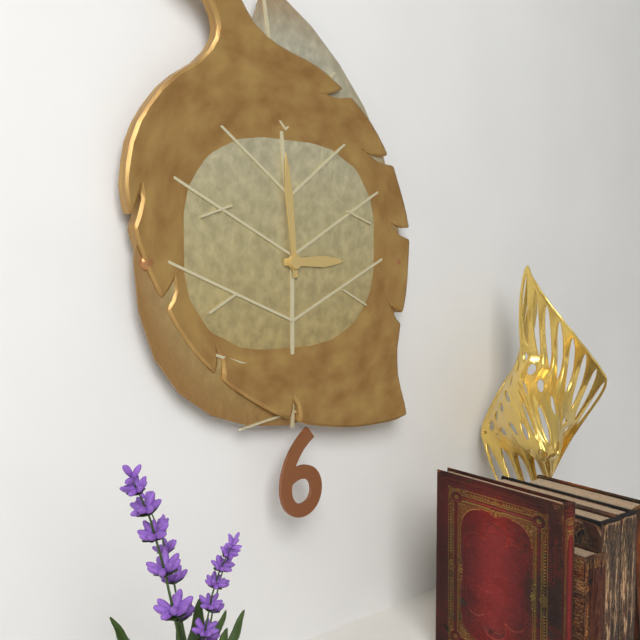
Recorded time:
2,59
